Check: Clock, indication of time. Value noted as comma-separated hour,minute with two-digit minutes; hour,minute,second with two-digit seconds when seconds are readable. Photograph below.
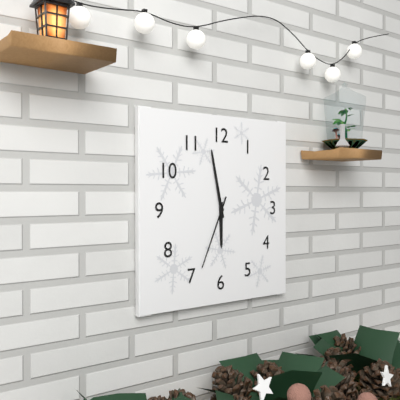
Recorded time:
5,58,34
